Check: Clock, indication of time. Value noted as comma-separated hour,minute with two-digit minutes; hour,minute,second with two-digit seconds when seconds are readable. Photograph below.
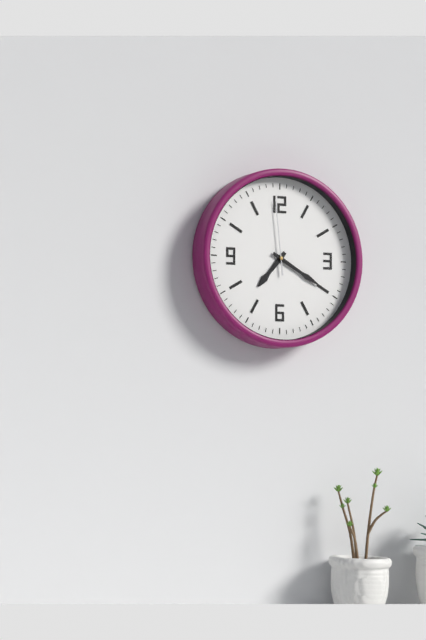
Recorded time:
7,20,59
